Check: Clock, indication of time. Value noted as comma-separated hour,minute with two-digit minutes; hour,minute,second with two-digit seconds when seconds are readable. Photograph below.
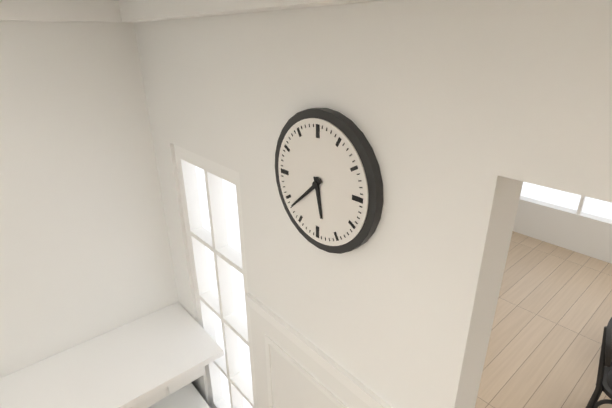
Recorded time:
5,38
